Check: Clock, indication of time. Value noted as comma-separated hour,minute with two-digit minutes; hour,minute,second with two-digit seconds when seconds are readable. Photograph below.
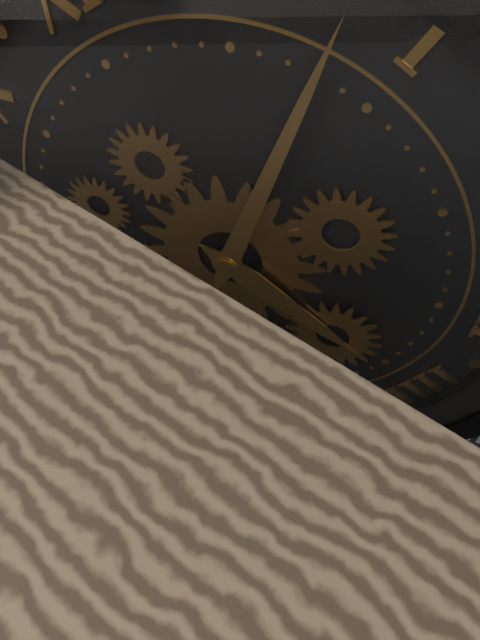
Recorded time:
4,03
